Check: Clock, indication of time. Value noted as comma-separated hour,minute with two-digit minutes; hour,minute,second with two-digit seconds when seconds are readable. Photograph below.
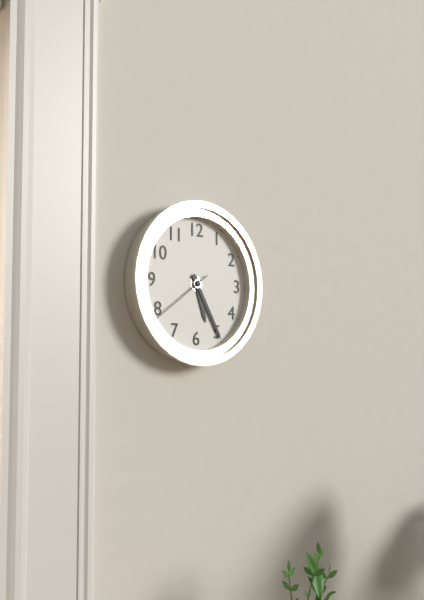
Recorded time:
5,25,39
